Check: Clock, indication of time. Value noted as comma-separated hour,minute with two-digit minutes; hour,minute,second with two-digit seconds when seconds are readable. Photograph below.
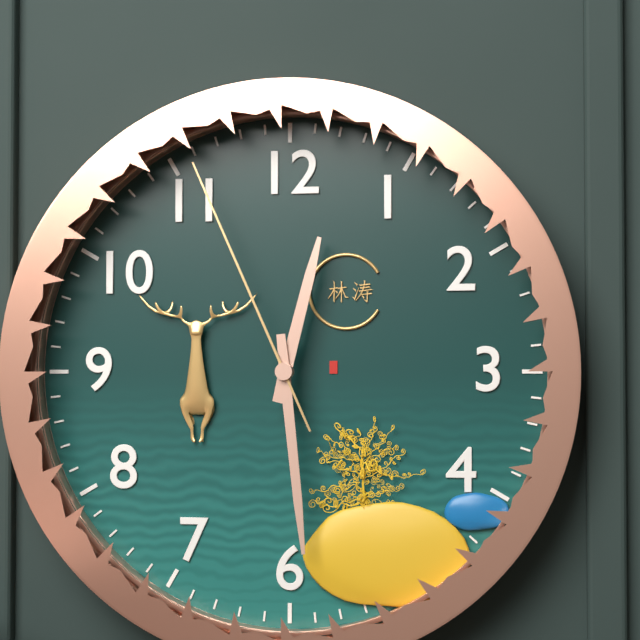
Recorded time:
12,29,56
